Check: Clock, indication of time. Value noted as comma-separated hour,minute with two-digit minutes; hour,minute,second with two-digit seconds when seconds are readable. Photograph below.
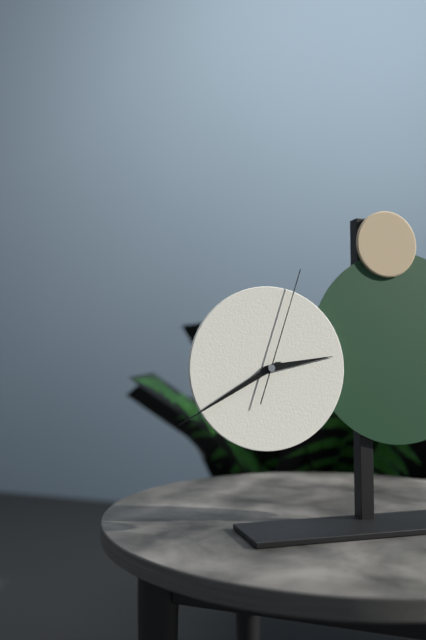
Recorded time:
2,40,03
